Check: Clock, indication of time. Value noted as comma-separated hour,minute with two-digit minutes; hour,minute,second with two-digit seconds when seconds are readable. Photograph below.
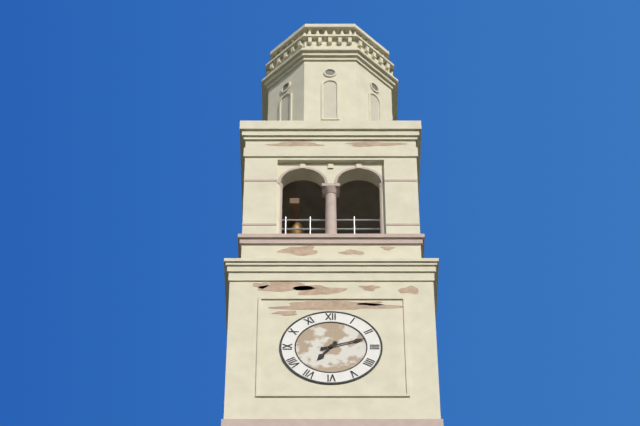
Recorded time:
7,12
